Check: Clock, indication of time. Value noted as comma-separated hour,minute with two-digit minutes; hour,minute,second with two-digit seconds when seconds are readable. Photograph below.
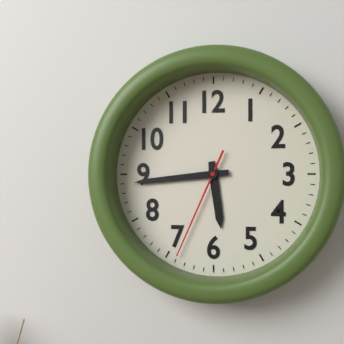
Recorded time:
5,44,34
